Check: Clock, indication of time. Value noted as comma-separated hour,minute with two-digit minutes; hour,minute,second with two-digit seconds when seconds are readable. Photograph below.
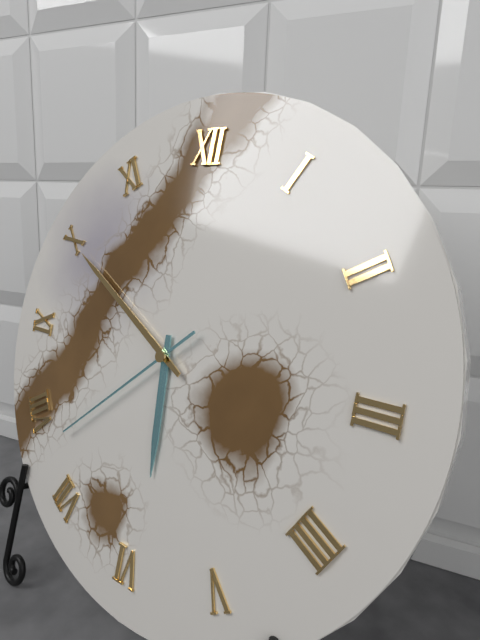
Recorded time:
5,50,38
